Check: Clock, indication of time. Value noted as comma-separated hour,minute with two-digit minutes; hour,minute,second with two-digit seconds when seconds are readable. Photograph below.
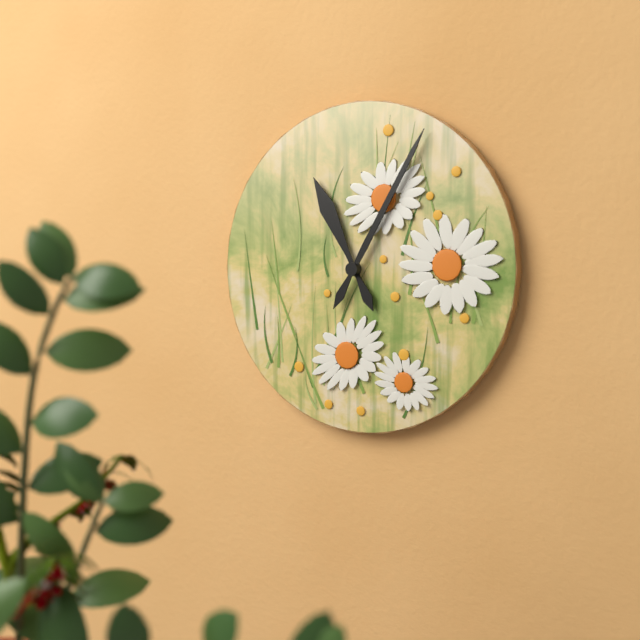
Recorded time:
11,05
